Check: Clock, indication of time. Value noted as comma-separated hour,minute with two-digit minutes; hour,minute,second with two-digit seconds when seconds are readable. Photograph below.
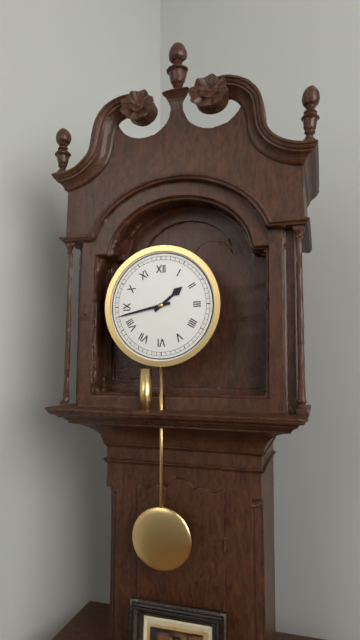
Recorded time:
1,43
